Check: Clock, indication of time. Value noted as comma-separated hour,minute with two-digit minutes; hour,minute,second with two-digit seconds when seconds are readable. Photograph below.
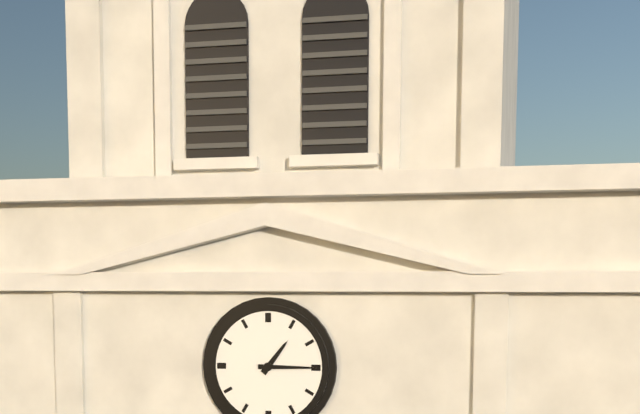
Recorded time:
1,15
